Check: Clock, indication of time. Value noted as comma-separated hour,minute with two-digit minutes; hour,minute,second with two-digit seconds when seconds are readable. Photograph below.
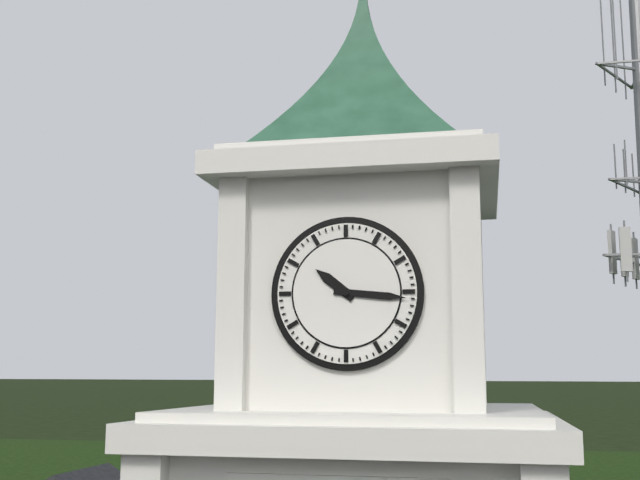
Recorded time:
10,16
